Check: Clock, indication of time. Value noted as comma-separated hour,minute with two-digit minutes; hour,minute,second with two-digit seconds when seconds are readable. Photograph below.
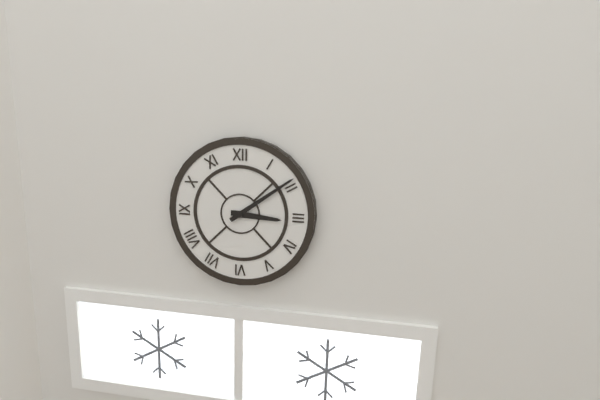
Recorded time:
3,09
